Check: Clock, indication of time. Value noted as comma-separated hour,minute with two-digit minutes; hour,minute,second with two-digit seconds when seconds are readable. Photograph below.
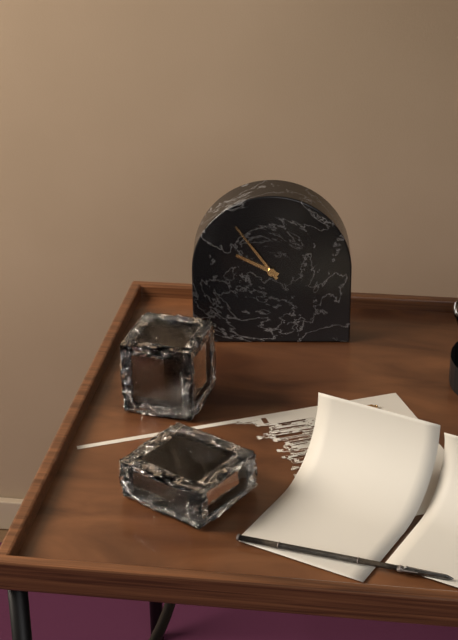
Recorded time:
9,54
